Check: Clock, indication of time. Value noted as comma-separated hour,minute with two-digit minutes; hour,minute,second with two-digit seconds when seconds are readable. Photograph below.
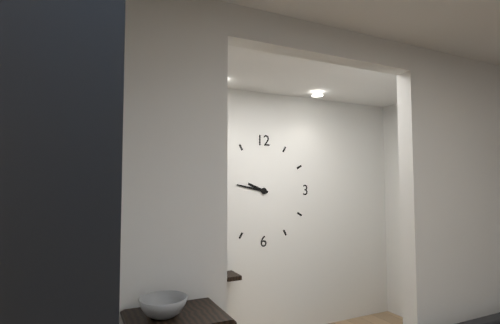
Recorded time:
9,47
